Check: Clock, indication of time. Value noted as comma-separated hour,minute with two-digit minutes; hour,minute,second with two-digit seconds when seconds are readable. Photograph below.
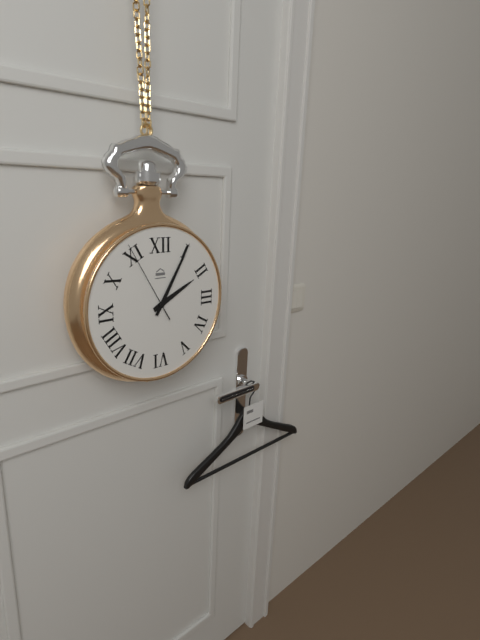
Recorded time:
2,05,55
